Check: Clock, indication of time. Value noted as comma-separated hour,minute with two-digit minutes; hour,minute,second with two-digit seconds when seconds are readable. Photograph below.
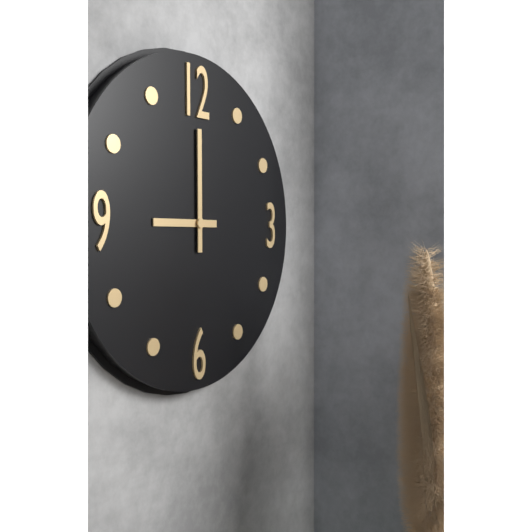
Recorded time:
9,00
